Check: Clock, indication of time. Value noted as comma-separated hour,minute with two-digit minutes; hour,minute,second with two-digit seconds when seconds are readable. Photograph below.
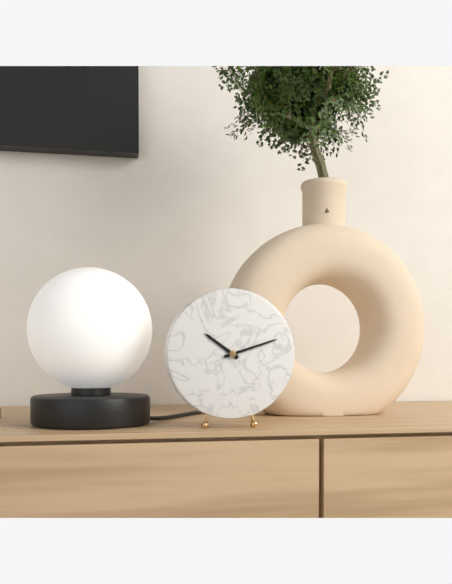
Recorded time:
10,12
